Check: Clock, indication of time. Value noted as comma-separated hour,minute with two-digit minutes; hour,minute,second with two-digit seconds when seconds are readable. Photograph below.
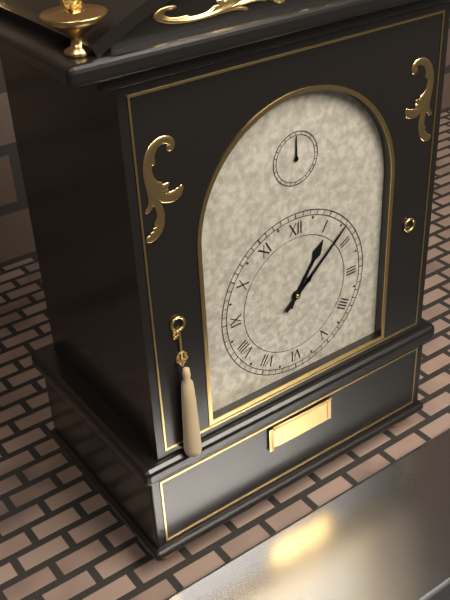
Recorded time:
1,08
